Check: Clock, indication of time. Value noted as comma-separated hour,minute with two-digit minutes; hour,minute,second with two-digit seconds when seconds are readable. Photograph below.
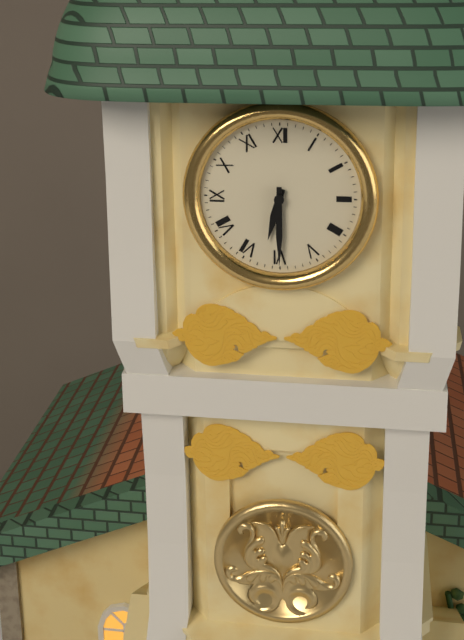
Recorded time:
6,30
